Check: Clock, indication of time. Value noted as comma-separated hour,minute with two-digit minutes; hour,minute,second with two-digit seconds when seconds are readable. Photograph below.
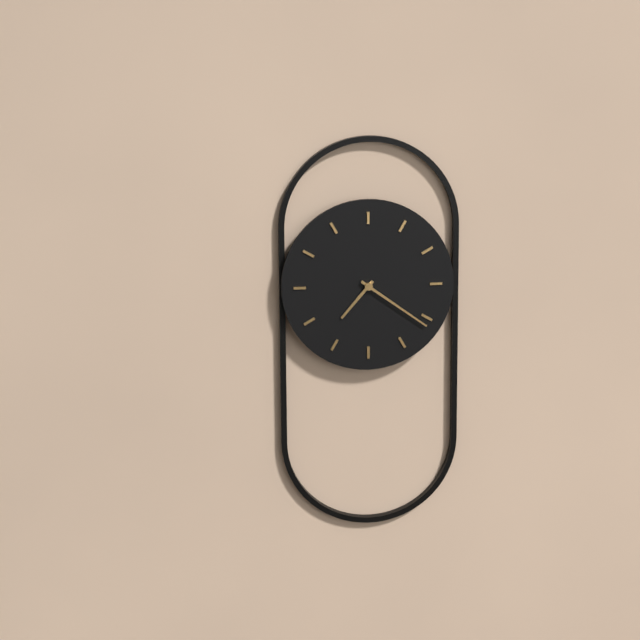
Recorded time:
7,21
